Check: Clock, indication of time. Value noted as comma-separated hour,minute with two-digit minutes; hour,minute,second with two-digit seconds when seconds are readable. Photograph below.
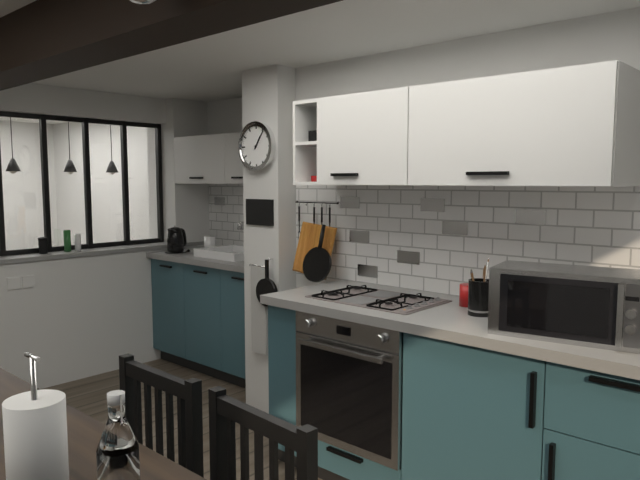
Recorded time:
1,06
